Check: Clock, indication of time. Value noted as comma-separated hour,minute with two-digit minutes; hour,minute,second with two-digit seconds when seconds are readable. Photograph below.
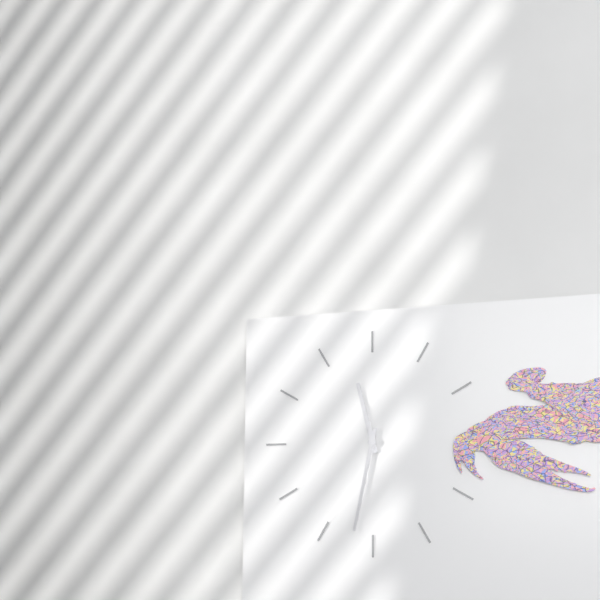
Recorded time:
11,32
